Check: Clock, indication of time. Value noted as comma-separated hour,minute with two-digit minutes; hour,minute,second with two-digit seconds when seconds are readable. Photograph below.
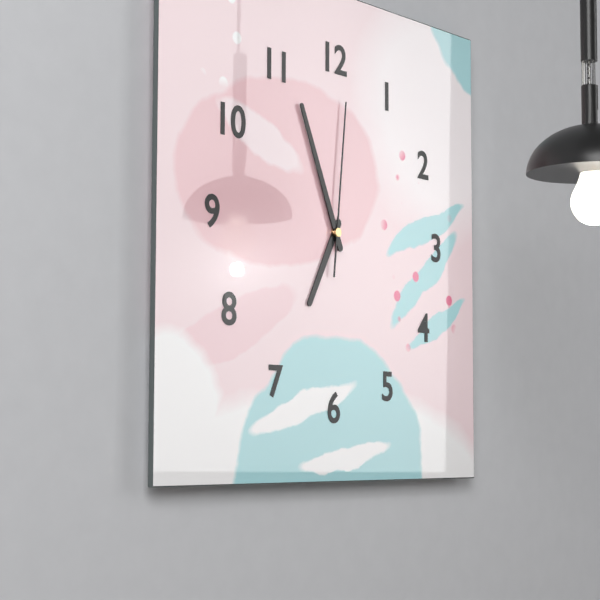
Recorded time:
6,56,01
